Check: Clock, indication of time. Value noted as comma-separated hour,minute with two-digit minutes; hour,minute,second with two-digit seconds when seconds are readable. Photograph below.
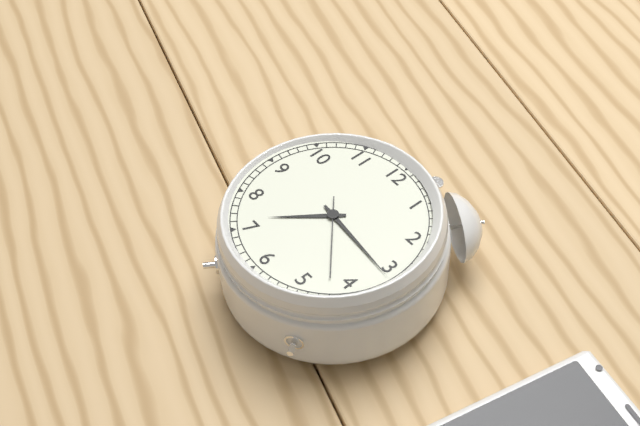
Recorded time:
7,16,22
